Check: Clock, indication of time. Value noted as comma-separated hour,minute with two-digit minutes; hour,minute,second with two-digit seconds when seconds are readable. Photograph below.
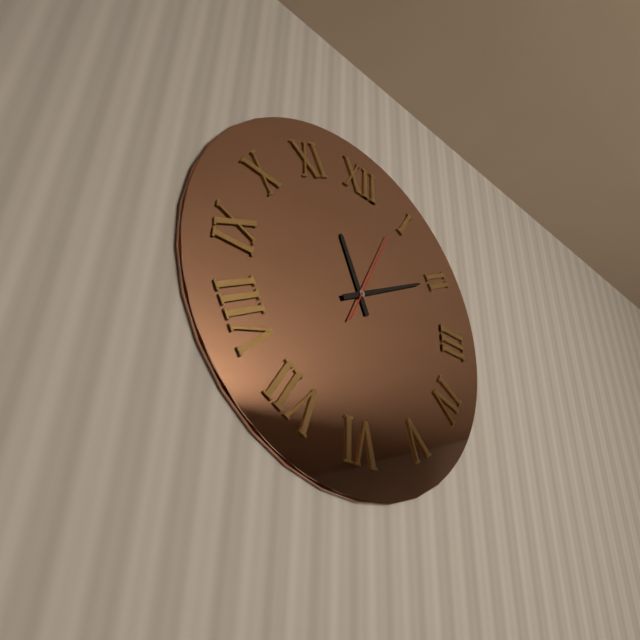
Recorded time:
11,10,04
